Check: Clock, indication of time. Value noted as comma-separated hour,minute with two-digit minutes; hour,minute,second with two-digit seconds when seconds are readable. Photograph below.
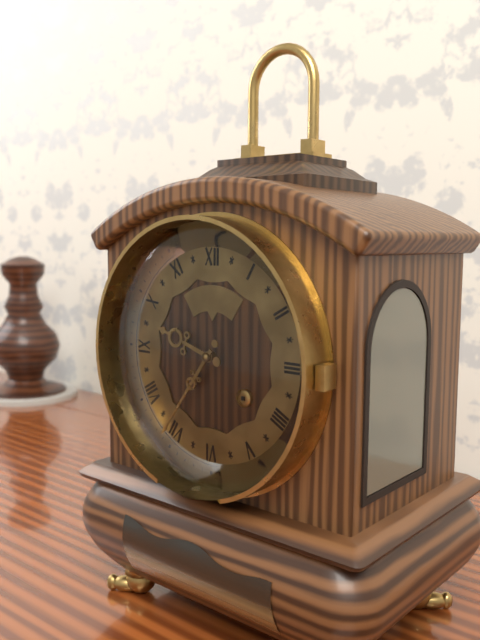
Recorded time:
9,36
